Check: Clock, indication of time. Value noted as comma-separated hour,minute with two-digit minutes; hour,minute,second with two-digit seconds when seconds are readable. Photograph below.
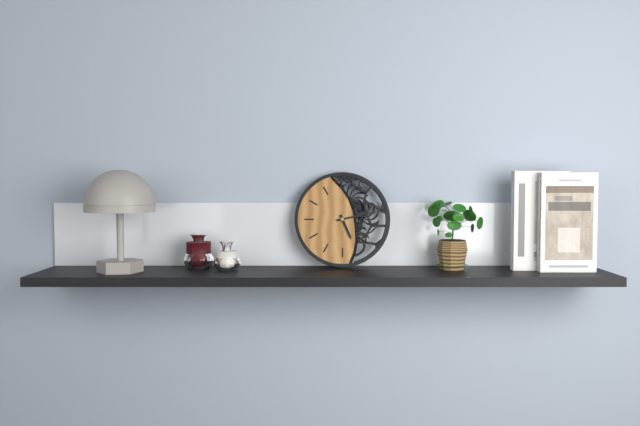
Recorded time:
5,13
